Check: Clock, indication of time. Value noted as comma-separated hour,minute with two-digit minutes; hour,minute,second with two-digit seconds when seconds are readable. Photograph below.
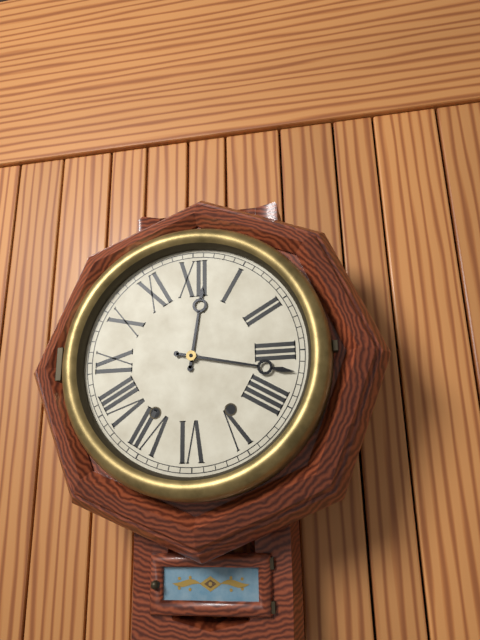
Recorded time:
12,17
